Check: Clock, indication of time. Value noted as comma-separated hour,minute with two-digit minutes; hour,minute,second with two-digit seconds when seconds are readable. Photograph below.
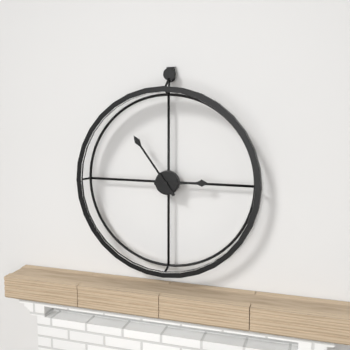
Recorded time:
2,54
